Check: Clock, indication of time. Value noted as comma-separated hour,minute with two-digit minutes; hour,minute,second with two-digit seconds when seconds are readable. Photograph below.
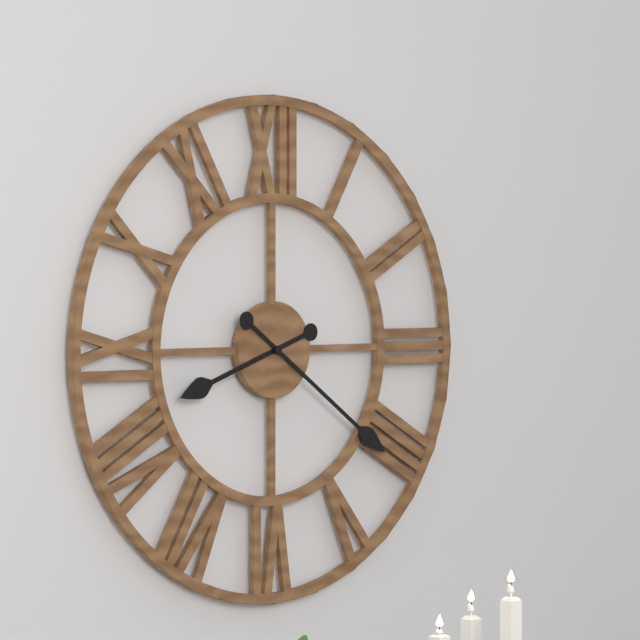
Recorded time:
8,21
